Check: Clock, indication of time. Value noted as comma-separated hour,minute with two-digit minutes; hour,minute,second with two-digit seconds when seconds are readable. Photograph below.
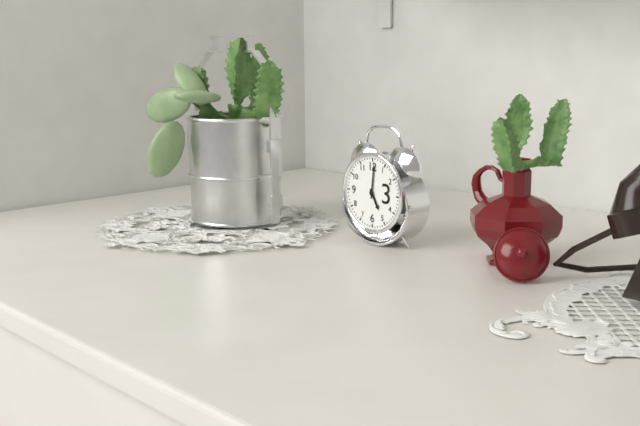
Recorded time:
5,01
